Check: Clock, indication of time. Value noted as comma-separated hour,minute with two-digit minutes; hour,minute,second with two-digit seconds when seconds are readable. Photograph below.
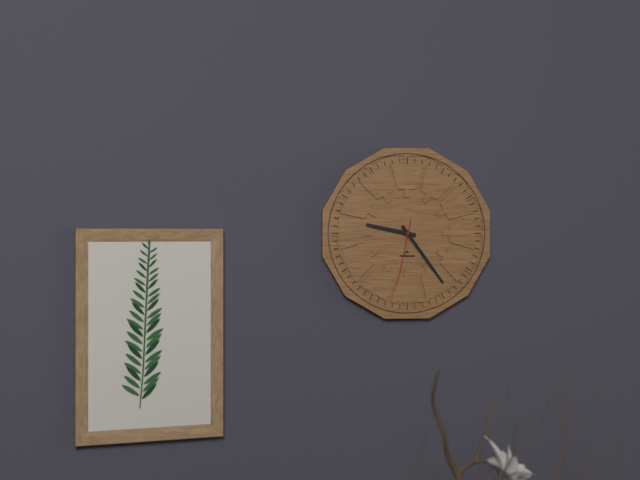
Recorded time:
9,24,32
